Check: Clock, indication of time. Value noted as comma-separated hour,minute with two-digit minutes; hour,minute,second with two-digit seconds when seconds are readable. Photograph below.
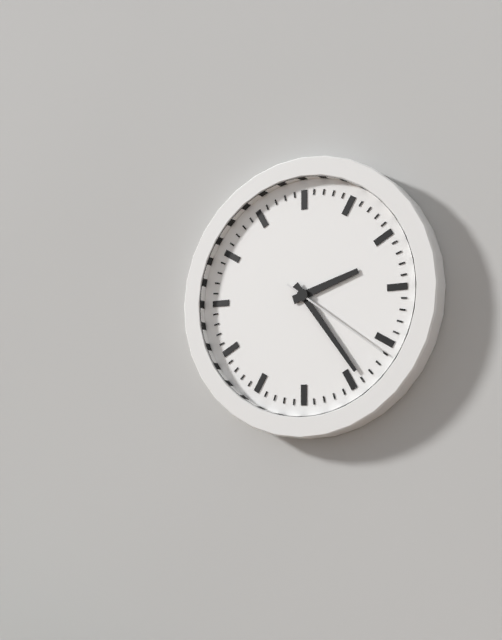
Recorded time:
2,24,21
